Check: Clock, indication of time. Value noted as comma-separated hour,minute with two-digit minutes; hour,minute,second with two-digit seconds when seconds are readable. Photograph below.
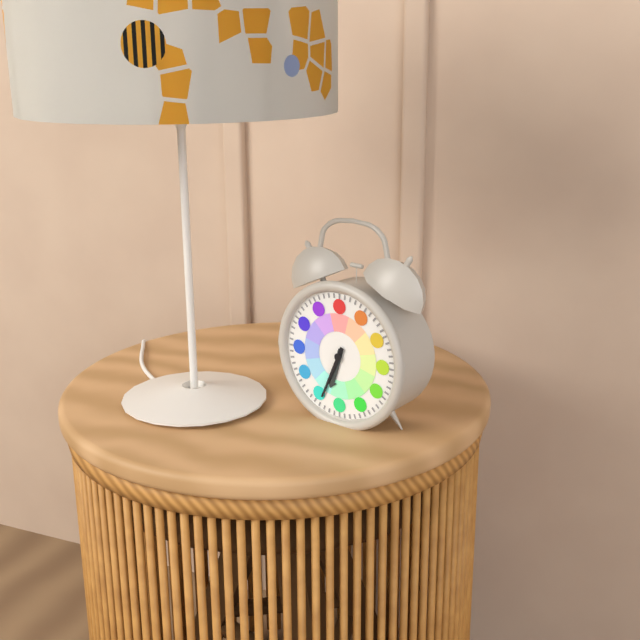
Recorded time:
6,34
